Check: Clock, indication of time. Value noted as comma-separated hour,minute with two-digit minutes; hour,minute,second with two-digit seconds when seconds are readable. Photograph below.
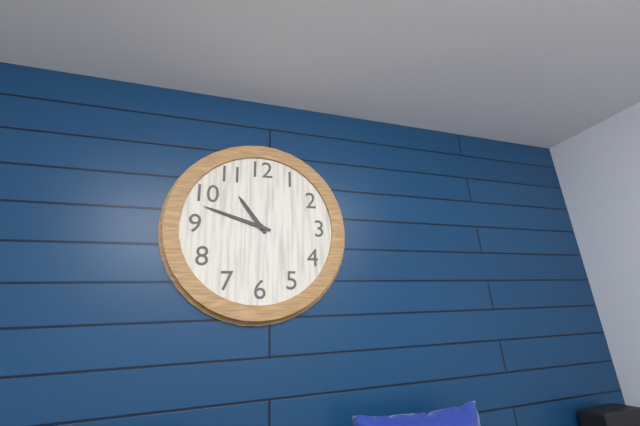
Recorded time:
10,48
